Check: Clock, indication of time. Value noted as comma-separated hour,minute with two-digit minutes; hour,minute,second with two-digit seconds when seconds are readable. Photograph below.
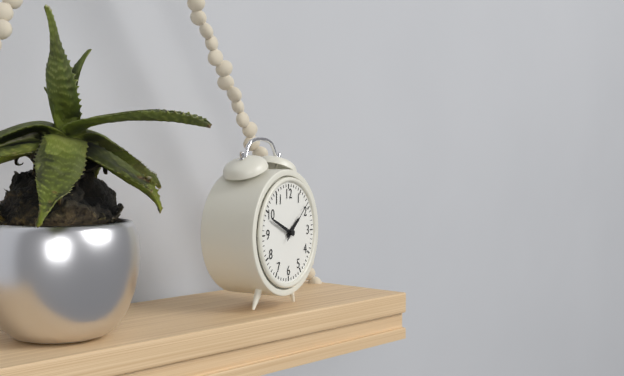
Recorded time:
1,49
